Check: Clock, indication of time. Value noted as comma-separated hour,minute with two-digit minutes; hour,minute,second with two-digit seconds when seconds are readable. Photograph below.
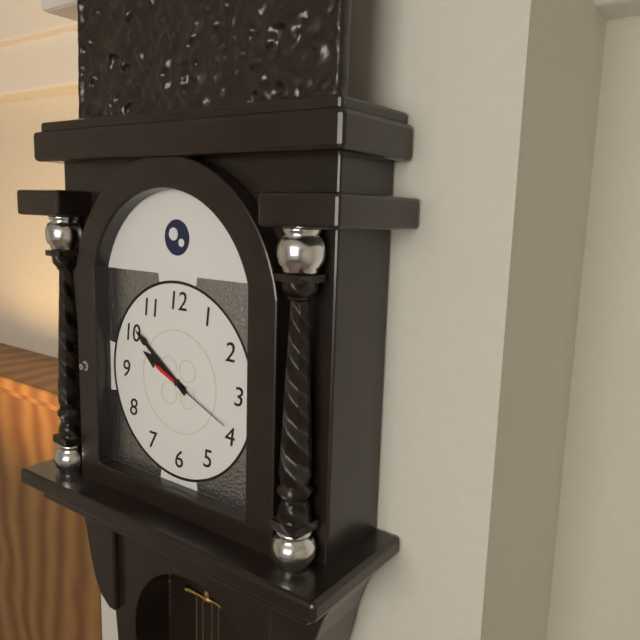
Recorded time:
9,51,19
